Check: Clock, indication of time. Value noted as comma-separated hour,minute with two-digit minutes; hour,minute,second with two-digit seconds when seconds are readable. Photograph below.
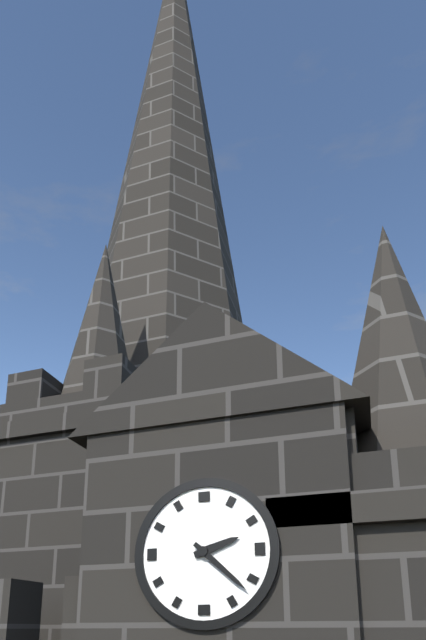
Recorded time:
2,22
